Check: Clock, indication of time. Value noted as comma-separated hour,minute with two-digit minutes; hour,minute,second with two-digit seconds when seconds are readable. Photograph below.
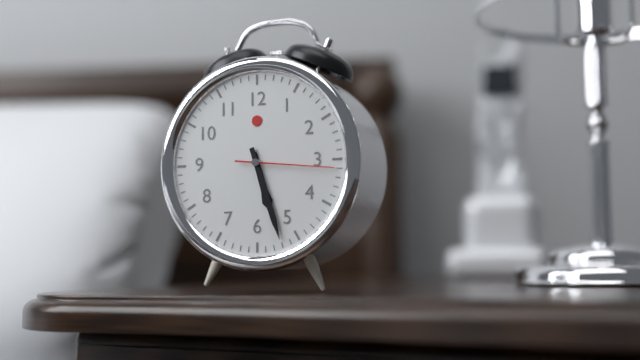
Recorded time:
5,27,16
